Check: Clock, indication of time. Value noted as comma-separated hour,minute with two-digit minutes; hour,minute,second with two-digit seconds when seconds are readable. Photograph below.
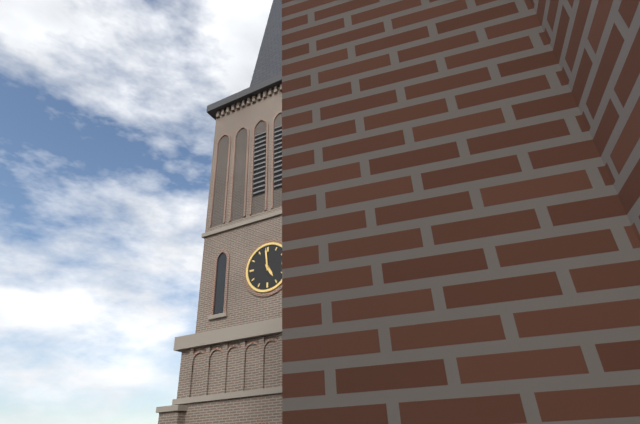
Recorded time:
4,59
